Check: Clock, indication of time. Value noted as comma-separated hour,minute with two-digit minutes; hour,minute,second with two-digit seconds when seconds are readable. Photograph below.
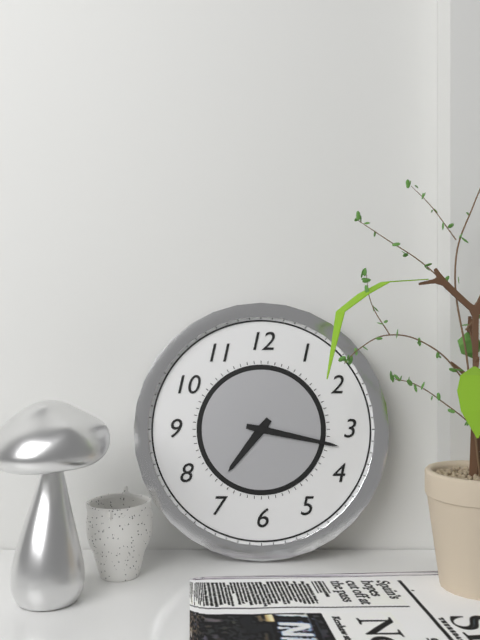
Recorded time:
7,17
